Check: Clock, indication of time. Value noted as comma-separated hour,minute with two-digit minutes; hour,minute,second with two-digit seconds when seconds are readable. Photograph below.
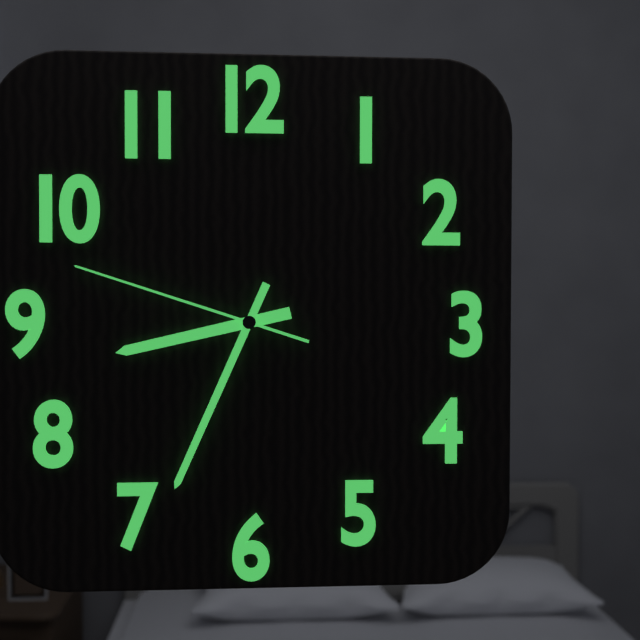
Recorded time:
8,34,48
